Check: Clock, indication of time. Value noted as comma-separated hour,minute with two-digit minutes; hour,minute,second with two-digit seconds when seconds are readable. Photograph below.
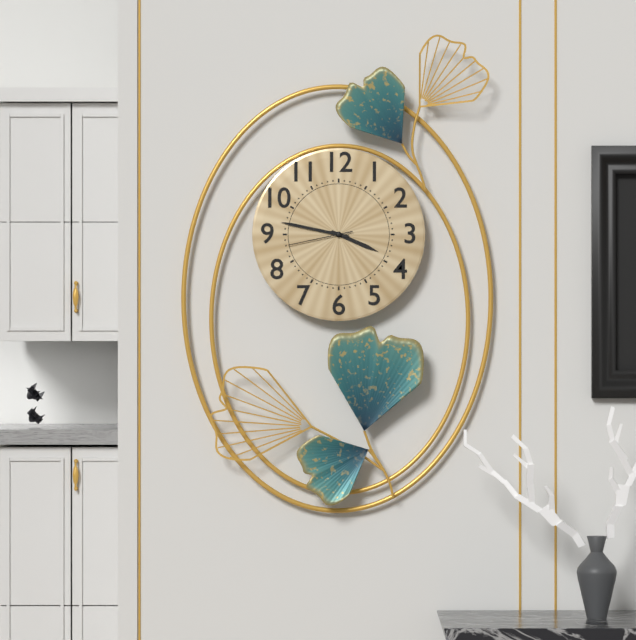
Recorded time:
3,47,43
